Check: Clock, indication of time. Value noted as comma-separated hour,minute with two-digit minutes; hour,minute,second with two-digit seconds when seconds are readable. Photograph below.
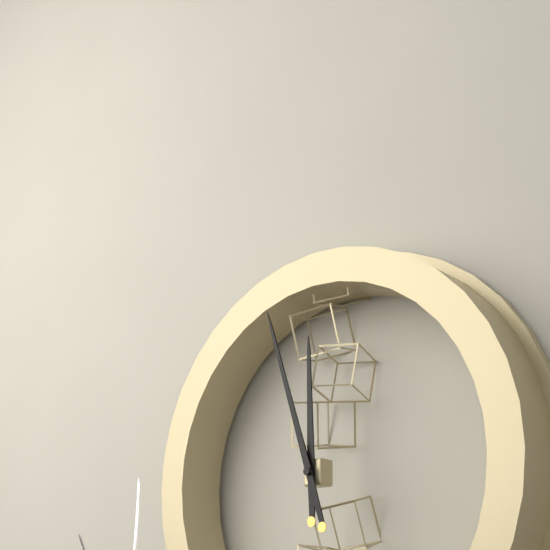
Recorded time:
11,57
